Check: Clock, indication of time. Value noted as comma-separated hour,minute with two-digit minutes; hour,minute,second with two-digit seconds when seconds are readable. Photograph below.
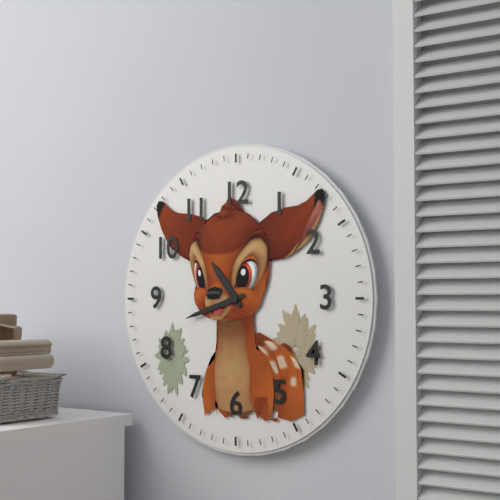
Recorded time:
10,42
